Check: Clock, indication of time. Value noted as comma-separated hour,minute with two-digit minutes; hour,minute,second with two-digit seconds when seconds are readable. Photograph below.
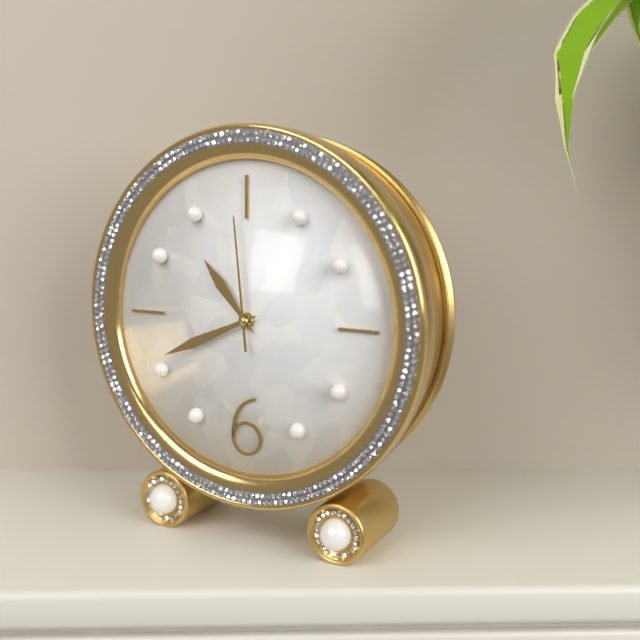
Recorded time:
10,41,59
